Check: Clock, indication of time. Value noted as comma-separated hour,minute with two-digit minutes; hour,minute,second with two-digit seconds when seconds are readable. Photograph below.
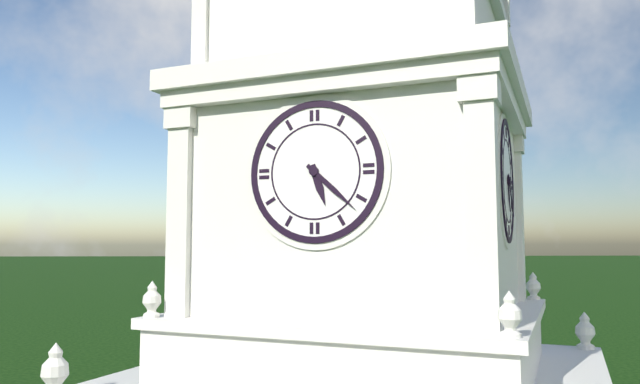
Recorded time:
5,22
